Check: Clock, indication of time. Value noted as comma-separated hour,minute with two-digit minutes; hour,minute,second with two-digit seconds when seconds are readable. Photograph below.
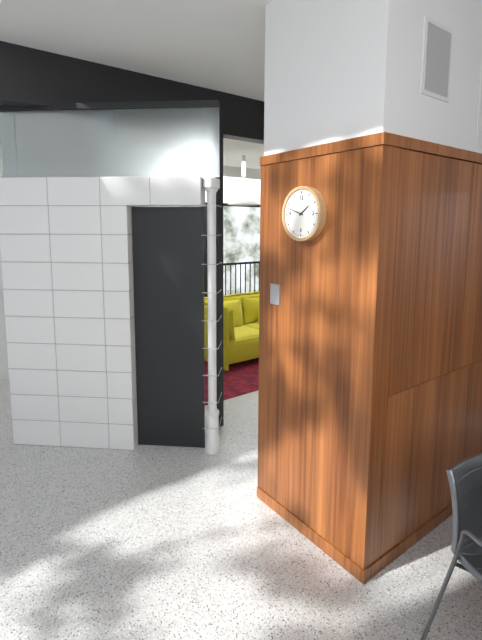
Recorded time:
1,48
